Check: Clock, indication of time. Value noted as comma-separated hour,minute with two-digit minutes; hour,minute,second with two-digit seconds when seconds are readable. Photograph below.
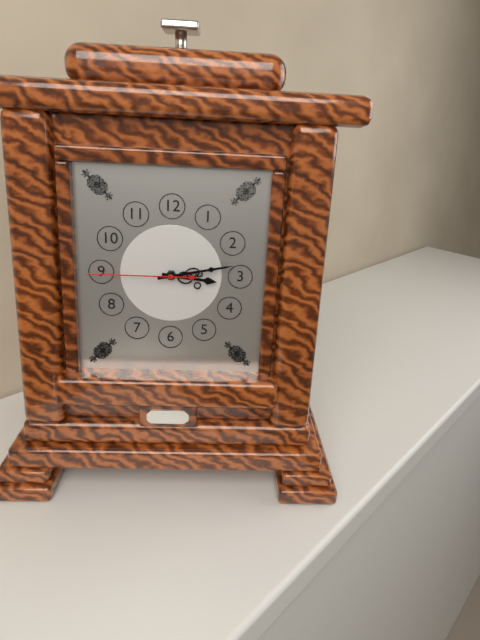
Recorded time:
3,13,45
